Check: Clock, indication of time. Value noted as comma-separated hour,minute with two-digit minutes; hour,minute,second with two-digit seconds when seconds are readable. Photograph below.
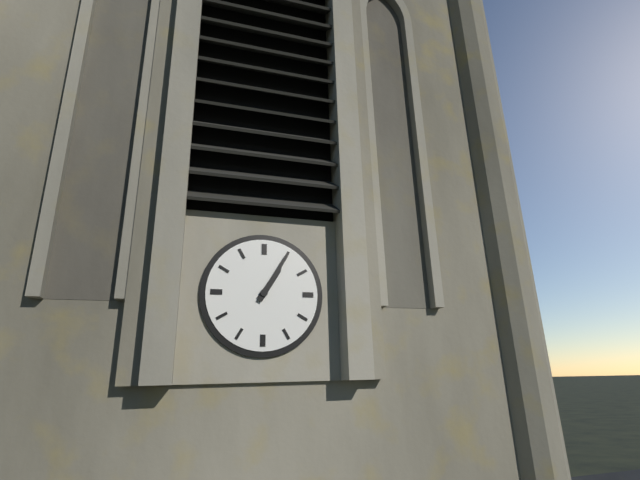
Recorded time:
1,05
